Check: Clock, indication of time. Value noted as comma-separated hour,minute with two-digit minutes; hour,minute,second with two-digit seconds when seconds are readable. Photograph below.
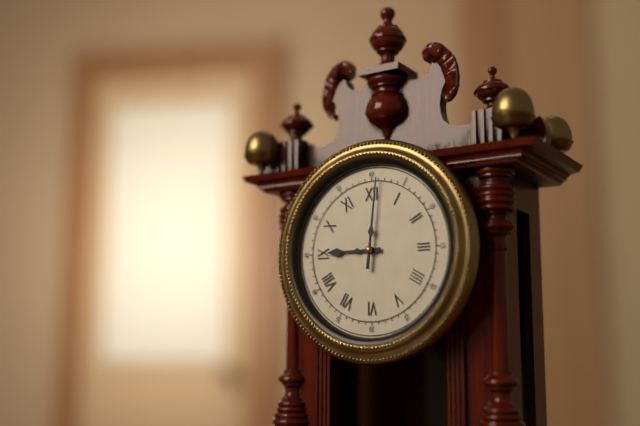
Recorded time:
9,01
